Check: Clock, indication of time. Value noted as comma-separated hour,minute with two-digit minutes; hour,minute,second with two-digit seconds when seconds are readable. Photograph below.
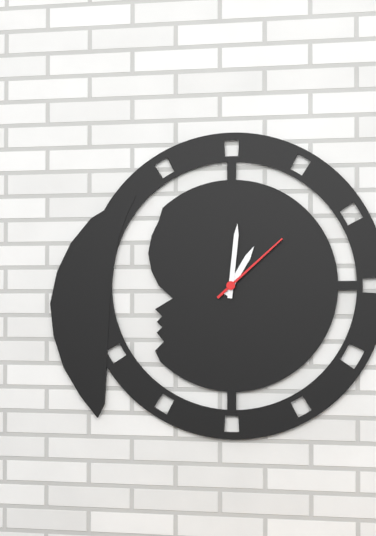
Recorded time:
1,01,08
